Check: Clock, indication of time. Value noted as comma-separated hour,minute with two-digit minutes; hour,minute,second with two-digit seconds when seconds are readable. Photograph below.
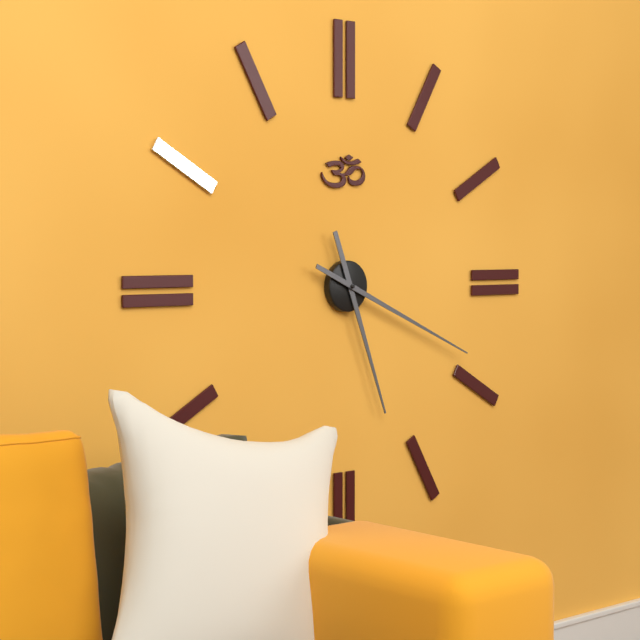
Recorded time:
5,19
